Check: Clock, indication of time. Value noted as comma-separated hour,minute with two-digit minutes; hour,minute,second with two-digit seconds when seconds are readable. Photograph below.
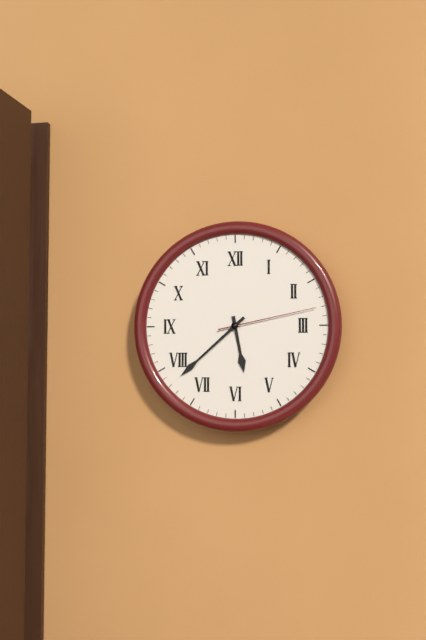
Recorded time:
5,38,13
